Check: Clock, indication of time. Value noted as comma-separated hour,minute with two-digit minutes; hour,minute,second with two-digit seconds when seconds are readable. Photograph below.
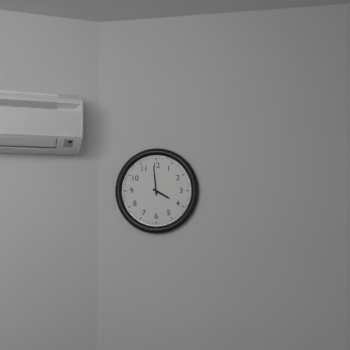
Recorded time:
3,59
